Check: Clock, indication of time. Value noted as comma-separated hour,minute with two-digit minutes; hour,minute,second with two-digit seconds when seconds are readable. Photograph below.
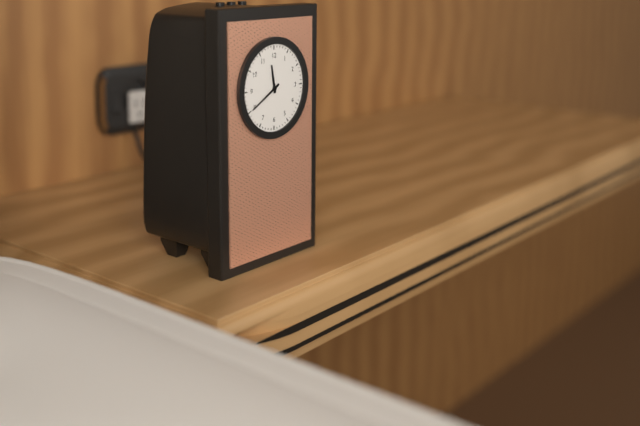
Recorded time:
11,40
